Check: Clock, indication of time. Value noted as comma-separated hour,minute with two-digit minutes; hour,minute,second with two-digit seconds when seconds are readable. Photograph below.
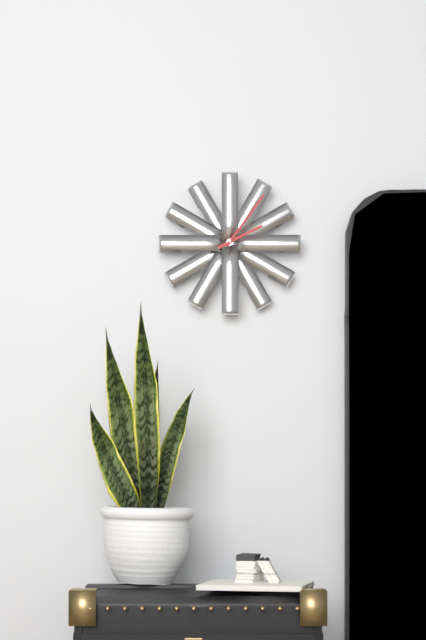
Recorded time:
2,06
